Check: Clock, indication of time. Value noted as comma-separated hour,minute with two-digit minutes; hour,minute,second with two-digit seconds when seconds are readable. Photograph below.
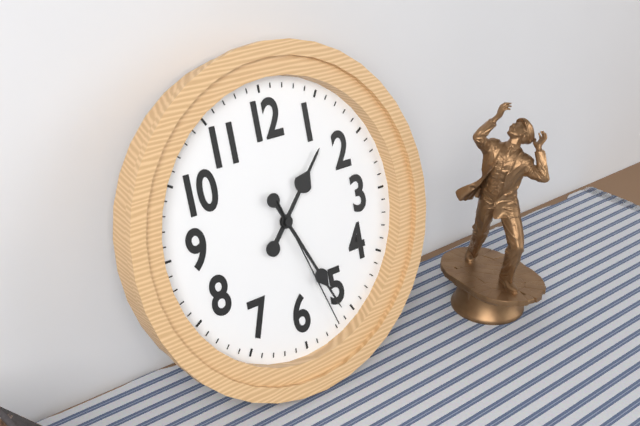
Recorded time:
1,26,27
